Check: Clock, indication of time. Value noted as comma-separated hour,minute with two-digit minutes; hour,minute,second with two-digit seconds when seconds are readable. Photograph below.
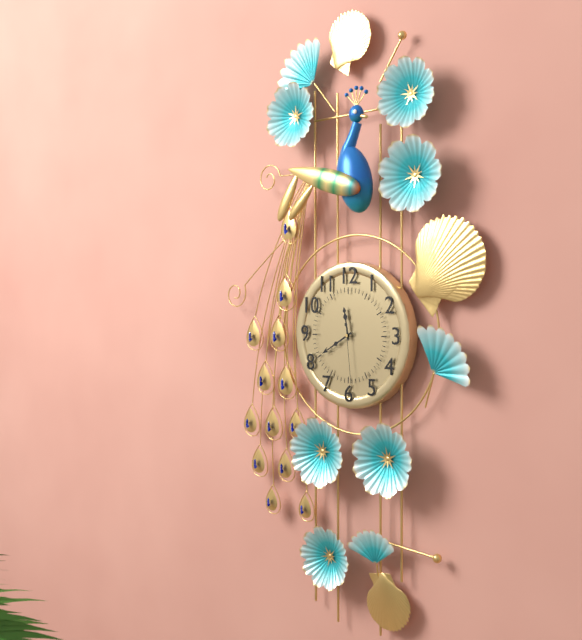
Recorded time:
11,40,29
